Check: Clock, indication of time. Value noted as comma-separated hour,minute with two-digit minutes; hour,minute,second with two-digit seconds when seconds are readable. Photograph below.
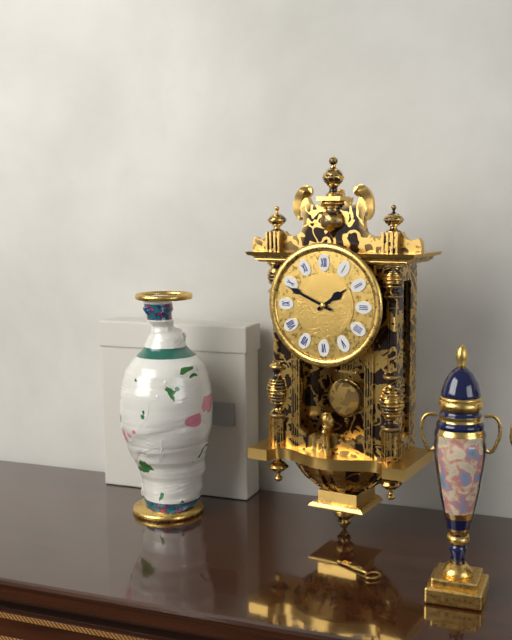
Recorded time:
1,49
